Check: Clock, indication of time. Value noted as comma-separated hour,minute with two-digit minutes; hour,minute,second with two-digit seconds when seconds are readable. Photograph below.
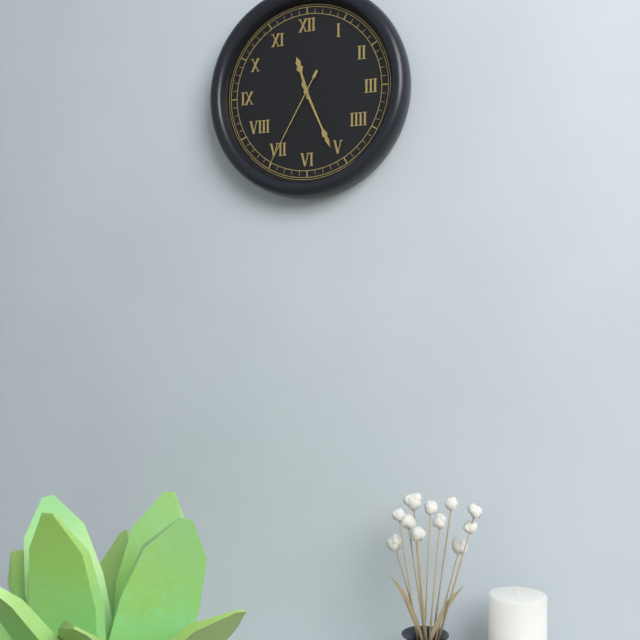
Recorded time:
11,26,35
